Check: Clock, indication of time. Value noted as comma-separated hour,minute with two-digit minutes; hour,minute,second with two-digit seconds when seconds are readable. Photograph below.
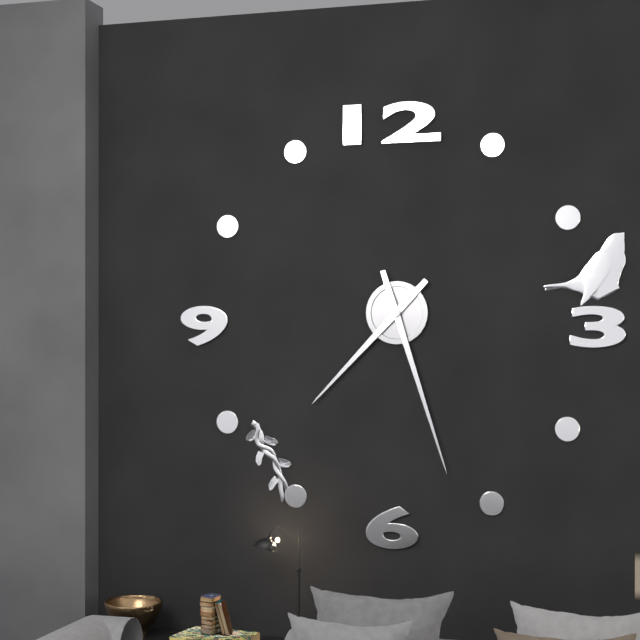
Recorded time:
7,27
